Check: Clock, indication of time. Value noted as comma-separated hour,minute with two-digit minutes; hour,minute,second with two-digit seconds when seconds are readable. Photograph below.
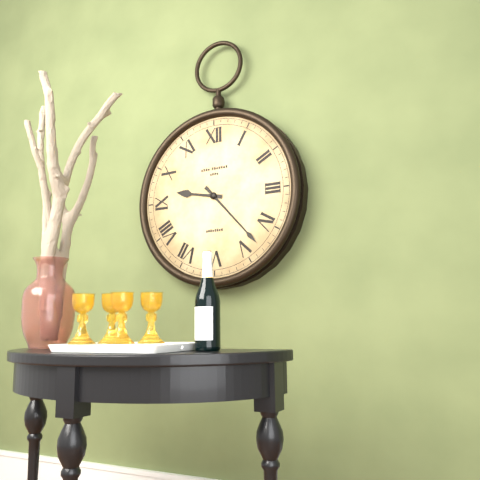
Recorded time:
9,23
